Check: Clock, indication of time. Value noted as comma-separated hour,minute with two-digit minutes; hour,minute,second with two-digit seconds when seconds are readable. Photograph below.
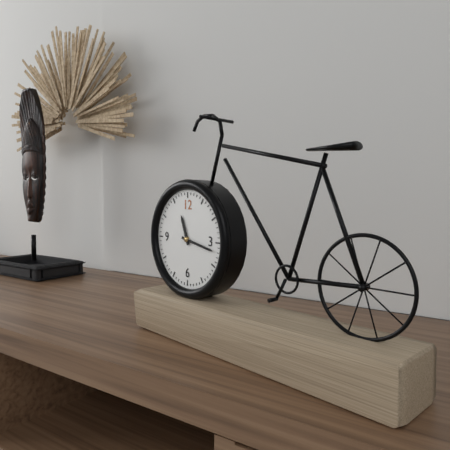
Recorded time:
11,17
